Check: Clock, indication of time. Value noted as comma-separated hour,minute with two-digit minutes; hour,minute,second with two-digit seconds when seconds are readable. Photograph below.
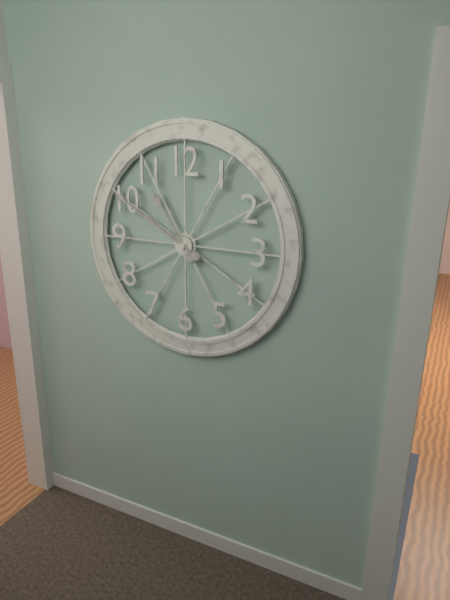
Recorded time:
10,50
